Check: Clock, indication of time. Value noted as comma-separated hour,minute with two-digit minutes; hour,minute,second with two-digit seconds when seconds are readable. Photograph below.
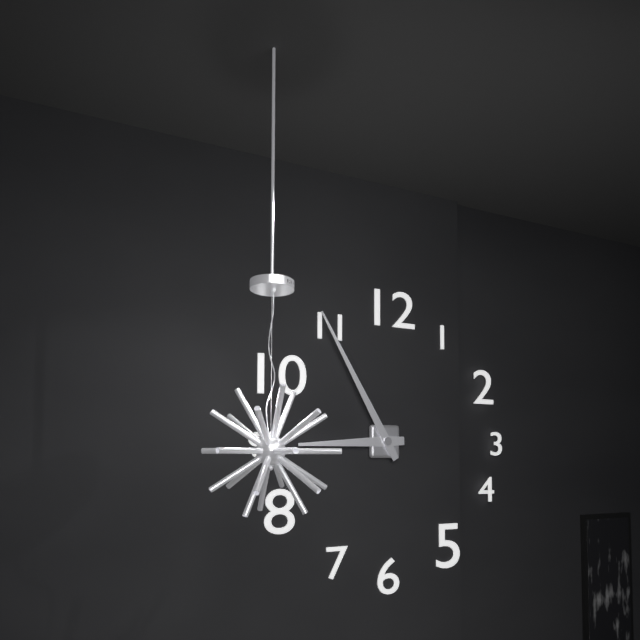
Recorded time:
8,55
